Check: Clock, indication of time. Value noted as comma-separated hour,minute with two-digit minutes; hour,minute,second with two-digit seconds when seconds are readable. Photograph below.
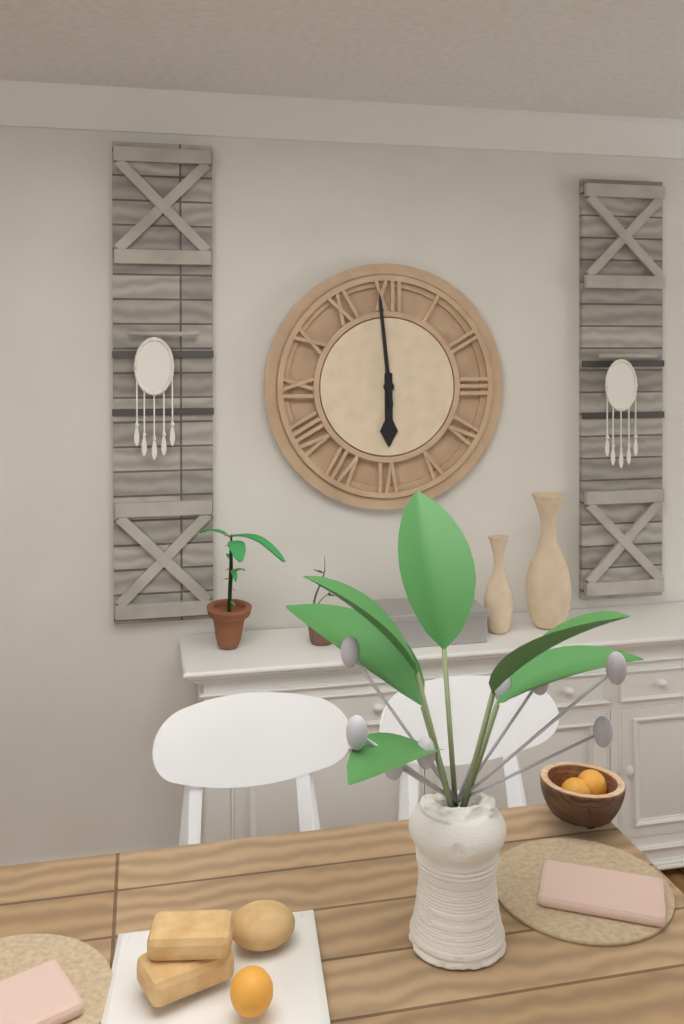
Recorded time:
5,59
